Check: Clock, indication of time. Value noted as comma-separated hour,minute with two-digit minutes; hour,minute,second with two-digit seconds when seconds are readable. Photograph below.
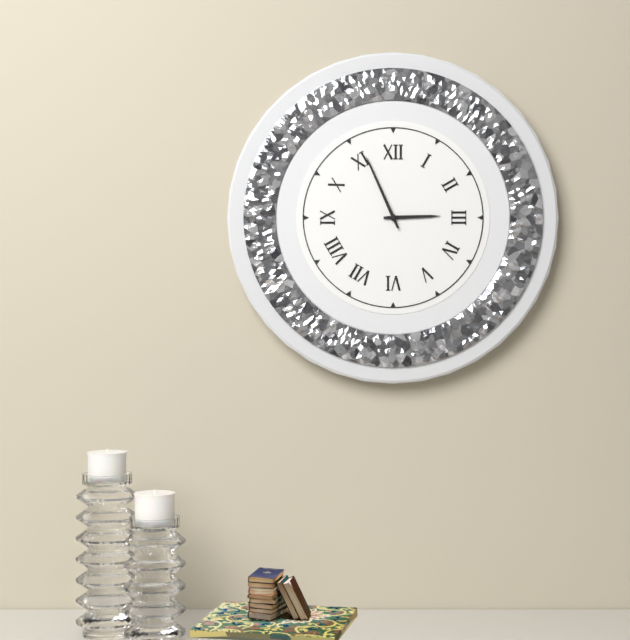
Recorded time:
2,56
